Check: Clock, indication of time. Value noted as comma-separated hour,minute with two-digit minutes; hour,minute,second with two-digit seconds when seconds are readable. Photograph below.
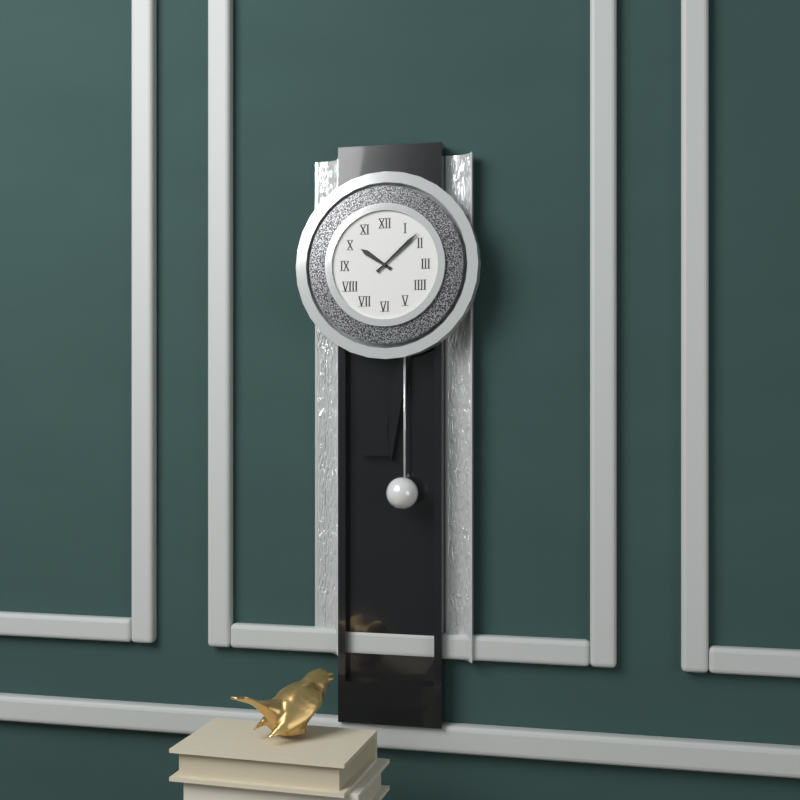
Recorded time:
10,08
